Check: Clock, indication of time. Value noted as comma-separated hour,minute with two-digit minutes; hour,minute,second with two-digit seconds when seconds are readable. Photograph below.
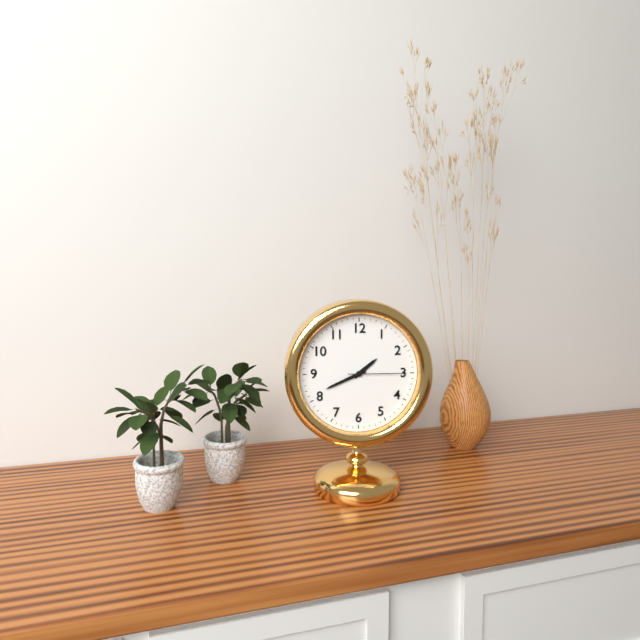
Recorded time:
1,41,15
